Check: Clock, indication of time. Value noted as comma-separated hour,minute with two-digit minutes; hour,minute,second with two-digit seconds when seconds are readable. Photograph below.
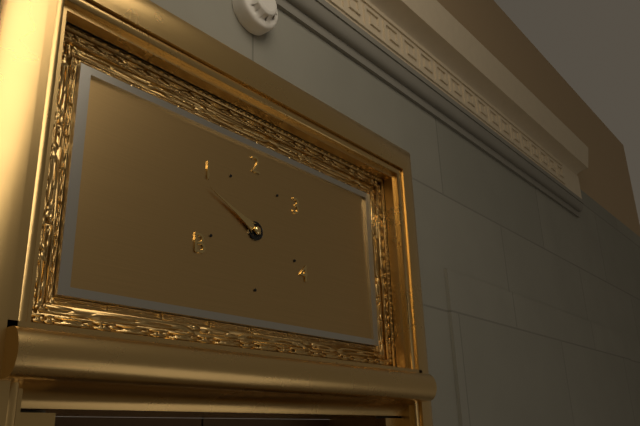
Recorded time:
9,49
